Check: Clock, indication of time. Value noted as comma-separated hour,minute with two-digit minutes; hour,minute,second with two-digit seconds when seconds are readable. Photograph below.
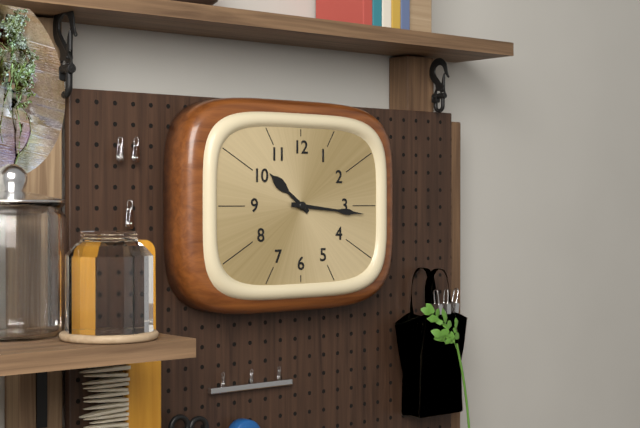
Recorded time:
10,16
